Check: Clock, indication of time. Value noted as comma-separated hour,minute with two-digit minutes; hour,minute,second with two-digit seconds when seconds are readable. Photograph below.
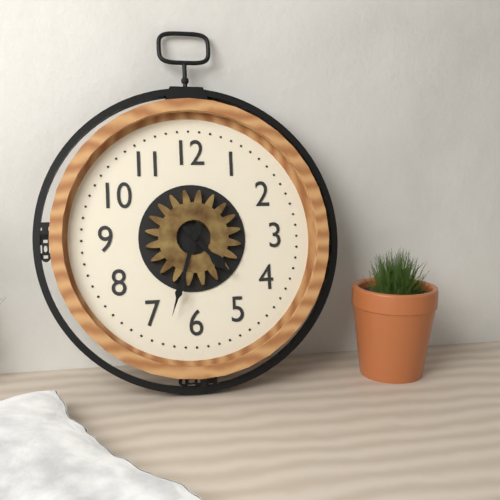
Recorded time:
4,33
